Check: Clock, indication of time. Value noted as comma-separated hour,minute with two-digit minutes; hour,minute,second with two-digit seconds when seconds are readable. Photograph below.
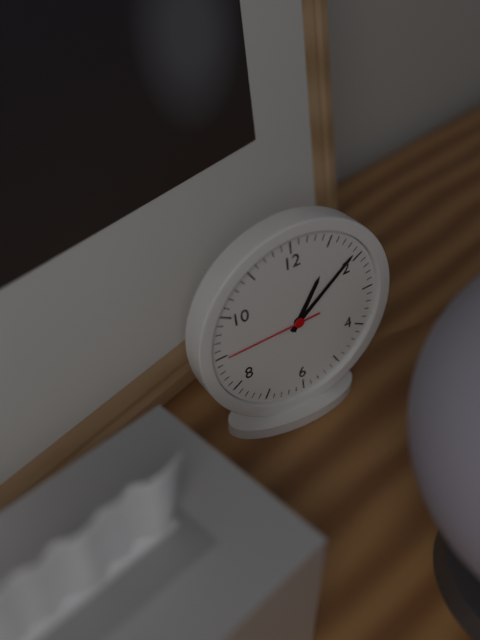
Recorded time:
1,09,45
